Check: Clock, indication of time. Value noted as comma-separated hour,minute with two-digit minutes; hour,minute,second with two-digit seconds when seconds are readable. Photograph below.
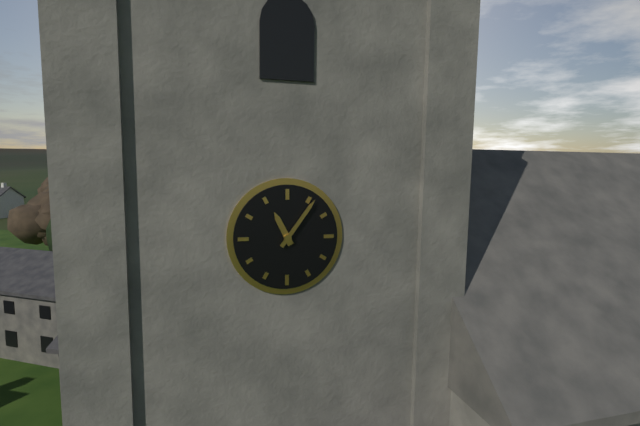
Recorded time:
11,06
